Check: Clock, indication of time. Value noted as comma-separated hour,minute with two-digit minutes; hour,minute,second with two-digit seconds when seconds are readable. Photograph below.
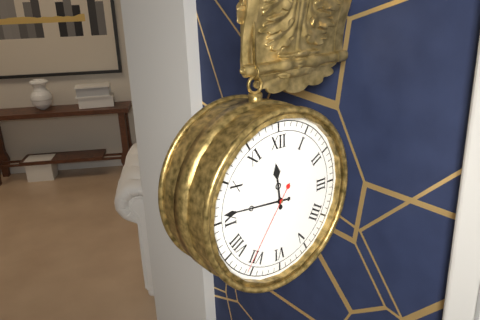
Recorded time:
11,46,36
